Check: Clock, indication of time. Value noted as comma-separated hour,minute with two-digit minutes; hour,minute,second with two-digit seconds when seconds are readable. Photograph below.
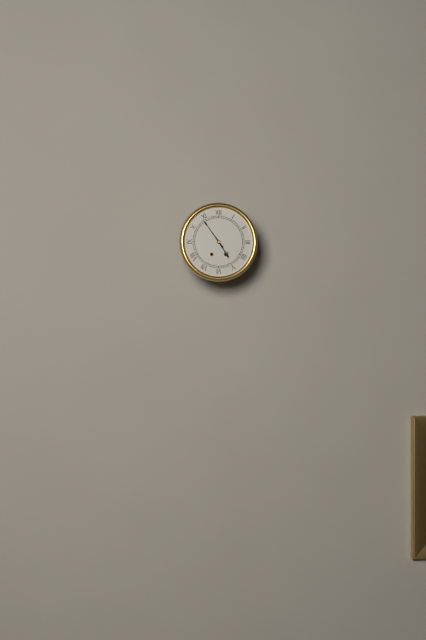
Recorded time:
4,54
